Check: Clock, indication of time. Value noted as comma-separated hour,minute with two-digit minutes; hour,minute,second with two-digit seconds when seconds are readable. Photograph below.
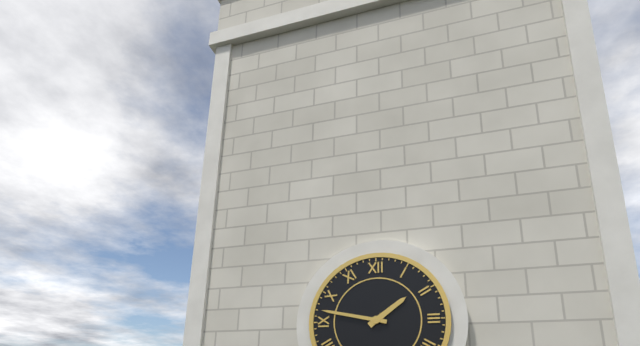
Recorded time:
1,47
